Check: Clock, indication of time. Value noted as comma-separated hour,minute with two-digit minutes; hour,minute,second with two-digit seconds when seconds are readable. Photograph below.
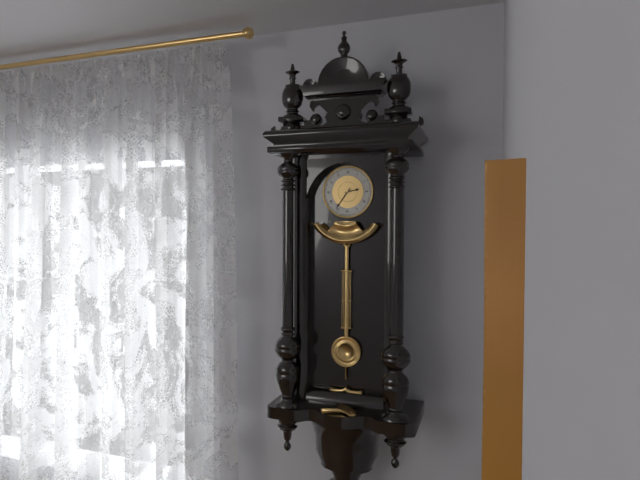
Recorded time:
2,36
